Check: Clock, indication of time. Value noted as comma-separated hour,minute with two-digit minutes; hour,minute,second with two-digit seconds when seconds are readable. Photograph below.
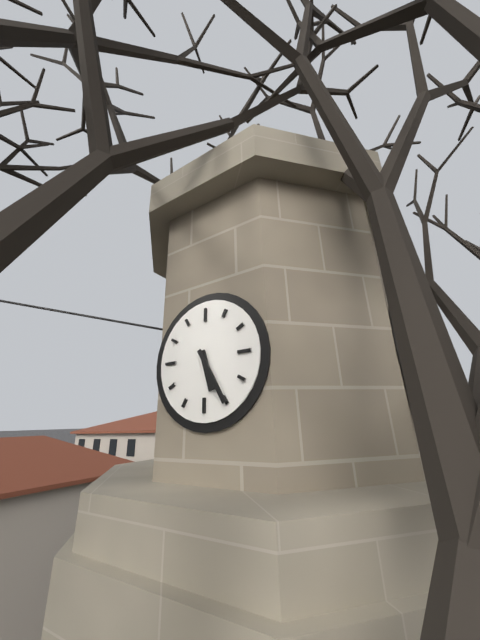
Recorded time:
5,25
